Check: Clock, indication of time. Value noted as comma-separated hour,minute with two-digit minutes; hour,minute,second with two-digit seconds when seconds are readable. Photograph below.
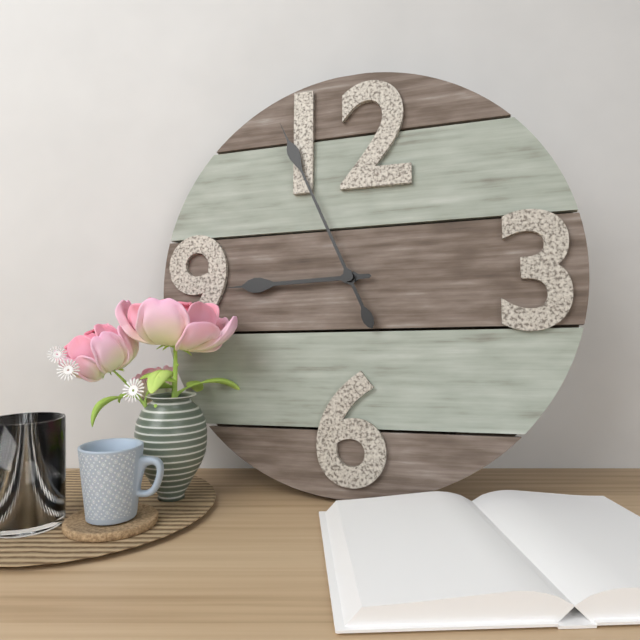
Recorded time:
8,56
